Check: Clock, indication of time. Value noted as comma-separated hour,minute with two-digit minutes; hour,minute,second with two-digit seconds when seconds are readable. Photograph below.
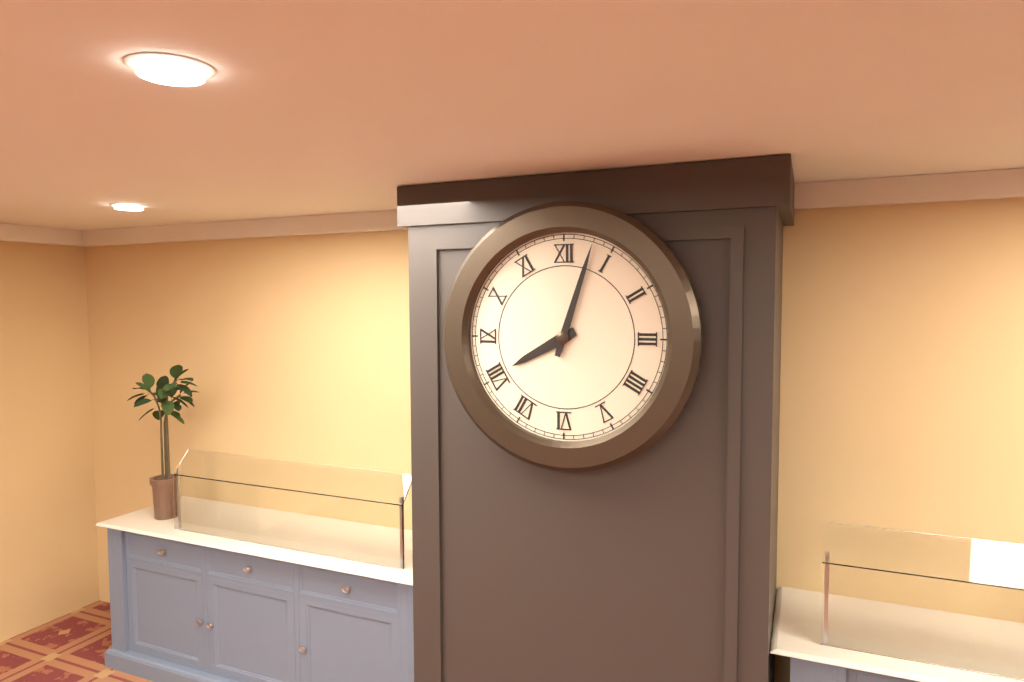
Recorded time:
8,03
